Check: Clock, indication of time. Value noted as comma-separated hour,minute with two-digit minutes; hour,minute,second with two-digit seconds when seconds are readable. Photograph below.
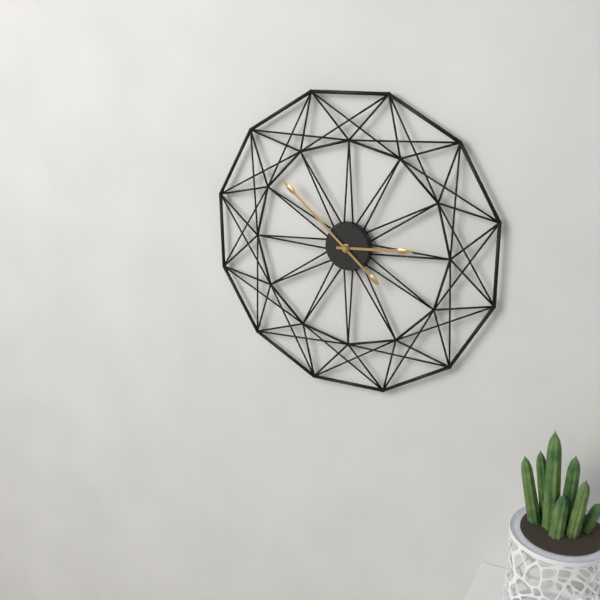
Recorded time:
2,52
